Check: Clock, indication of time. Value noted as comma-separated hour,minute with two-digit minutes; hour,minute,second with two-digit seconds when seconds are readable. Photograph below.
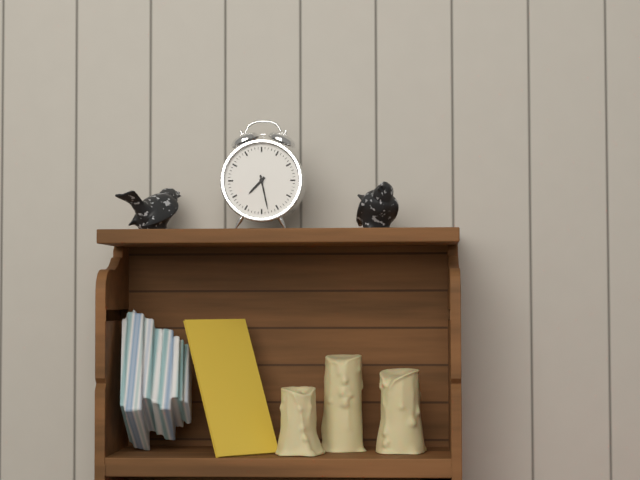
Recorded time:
7,28
